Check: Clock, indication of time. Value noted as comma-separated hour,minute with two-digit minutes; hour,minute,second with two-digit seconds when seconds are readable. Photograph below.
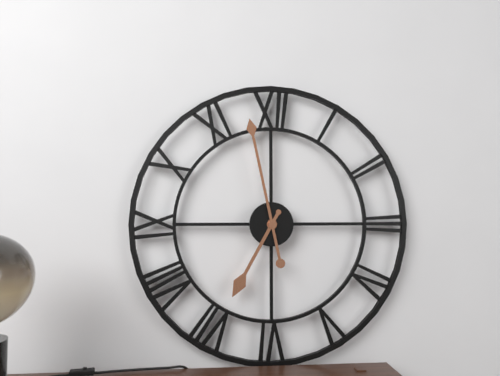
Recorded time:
6,58
